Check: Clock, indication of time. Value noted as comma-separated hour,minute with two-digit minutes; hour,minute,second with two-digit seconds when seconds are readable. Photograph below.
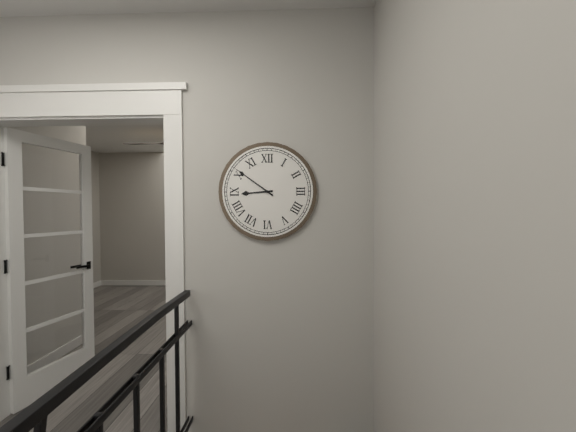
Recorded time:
8,51
